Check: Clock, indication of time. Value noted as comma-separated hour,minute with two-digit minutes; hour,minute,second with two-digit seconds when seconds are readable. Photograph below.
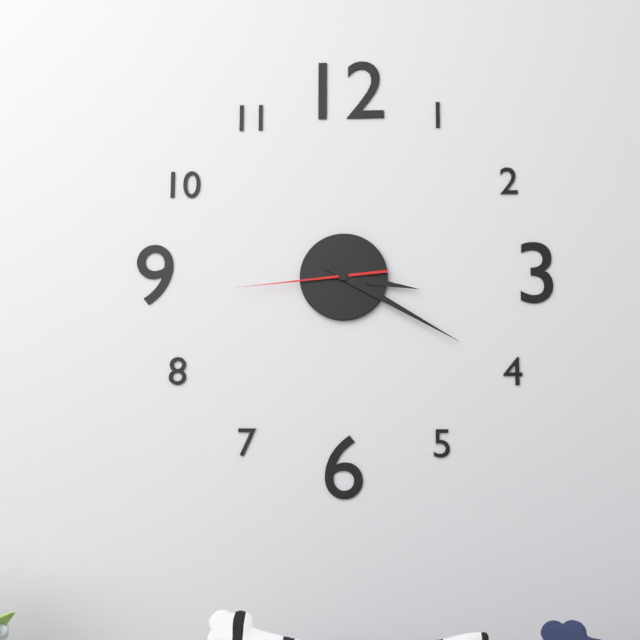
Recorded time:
3,20,44
